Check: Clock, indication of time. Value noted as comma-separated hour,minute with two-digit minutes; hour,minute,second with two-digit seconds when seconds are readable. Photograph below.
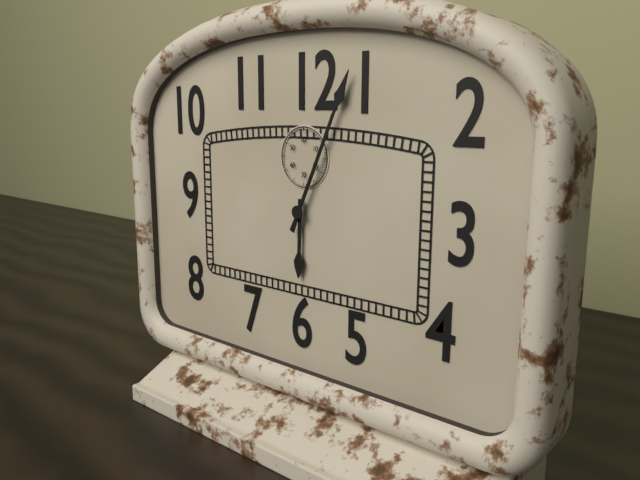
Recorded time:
6,04
